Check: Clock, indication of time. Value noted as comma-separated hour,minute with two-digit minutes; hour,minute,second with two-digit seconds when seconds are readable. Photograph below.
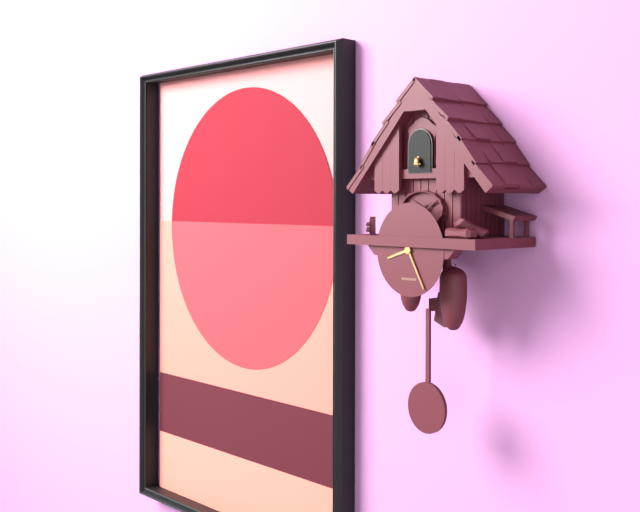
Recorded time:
8,25
